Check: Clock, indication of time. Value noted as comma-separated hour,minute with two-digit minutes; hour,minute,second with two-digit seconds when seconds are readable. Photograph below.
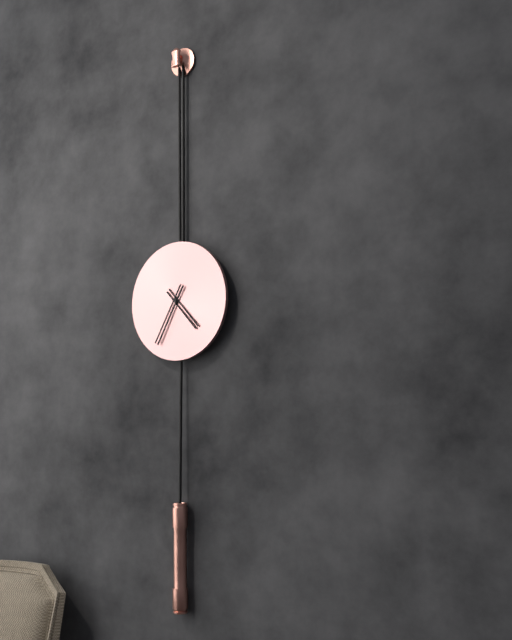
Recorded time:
4,35
